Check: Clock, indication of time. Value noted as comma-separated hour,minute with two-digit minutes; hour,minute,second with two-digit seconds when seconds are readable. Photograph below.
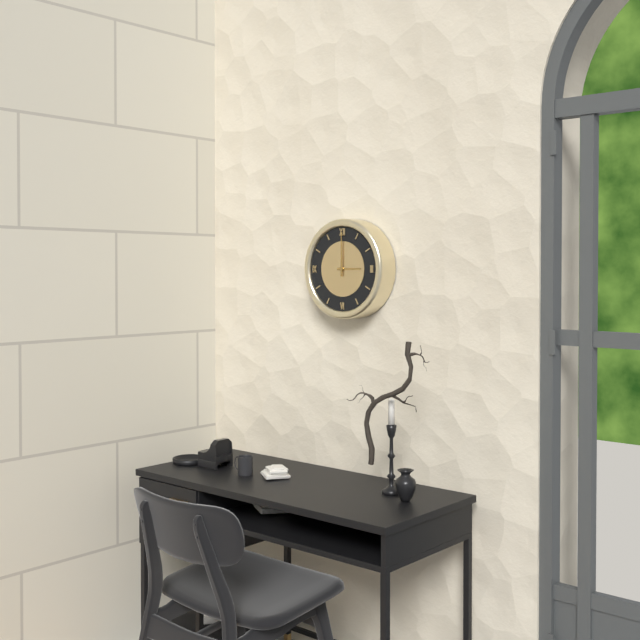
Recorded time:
3,00
